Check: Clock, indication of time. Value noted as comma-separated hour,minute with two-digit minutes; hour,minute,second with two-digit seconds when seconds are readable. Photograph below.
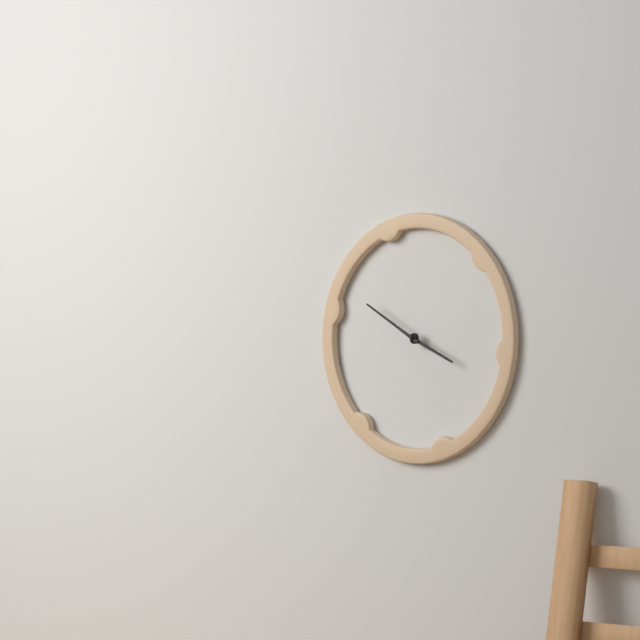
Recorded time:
3,50
